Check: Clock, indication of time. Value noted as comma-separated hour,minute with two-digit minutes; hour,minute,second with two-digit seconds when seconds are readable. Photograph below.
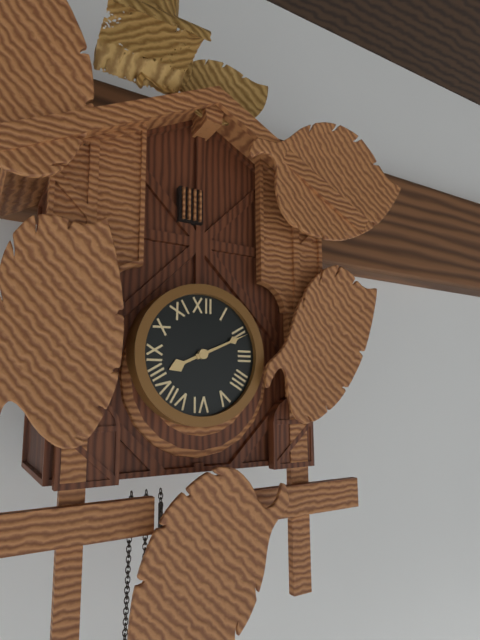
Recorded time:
8,11
